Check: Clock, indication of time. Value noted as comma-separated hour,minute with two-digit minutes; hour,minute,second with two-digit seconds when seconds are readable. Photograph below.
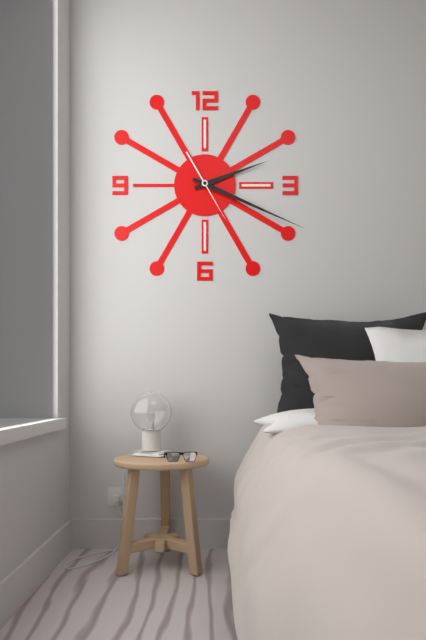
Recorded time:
2,19,25
